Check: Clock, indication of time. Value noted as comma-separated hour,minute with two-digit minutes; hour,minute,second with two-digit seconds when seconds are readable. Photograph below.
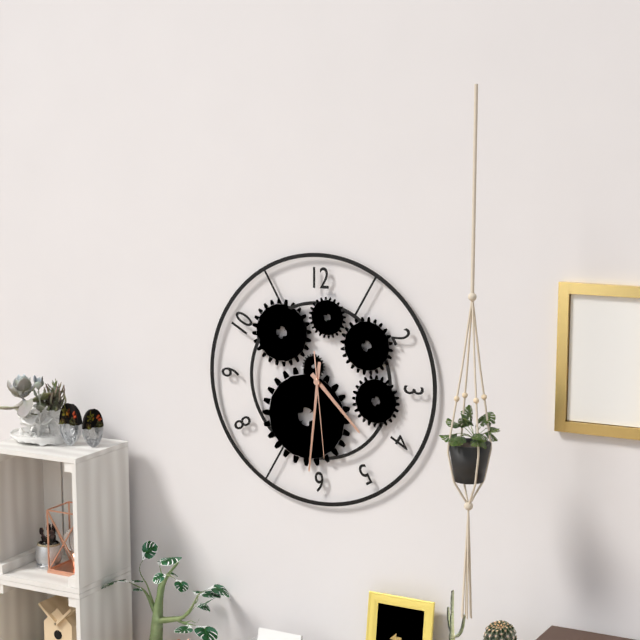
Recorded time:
4,31,29
